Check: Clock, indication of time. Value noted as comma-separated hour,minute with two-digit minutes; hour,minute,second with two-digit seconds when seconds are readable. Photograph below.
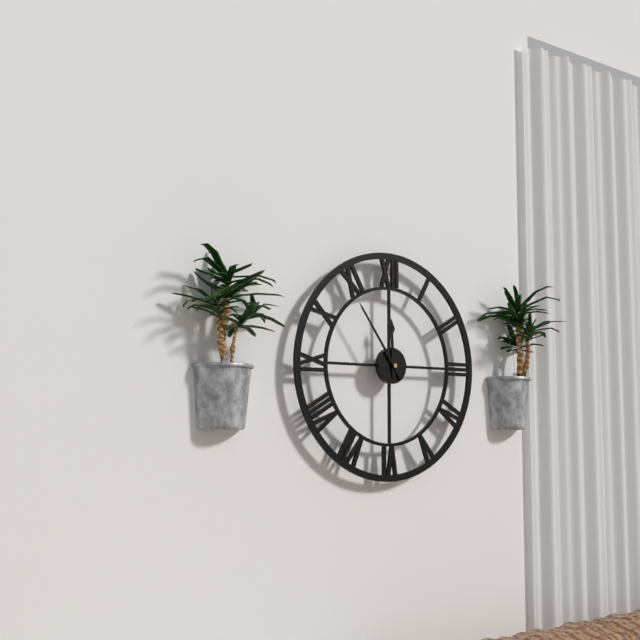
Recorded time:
11,54
